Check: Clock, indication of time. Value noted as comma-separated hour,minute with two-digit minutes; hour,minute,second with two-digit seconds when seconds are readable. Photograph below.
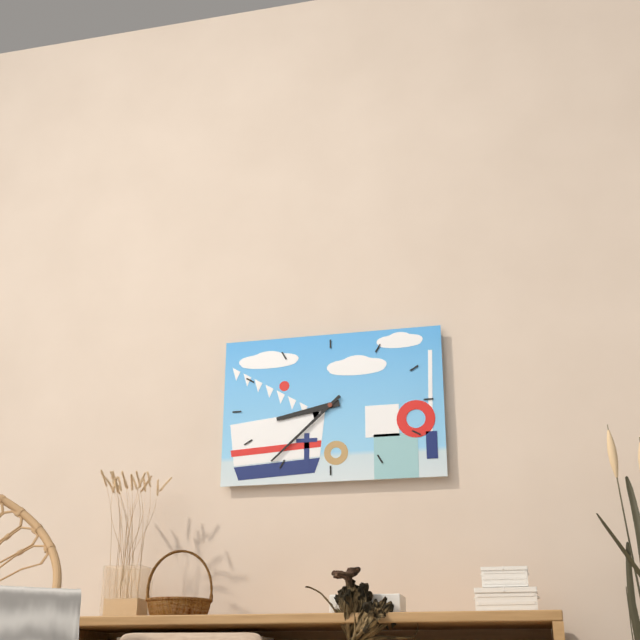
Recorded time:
8,38
